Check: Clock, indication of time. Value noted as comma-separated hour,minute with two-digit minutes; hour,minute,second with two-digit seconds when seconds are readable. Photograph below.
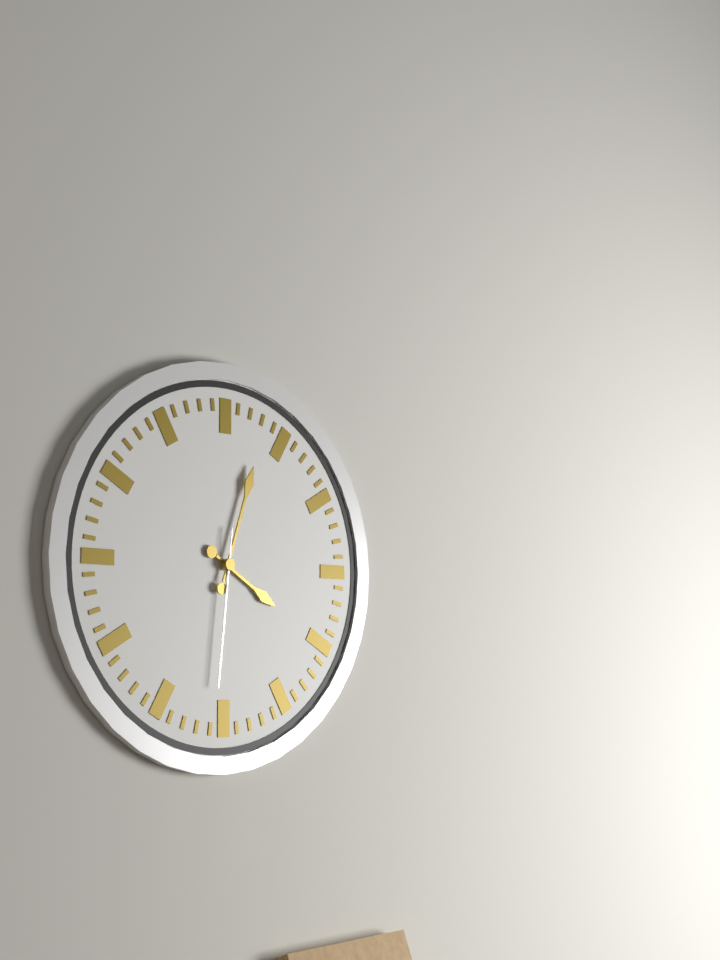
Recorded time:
4,03,31
